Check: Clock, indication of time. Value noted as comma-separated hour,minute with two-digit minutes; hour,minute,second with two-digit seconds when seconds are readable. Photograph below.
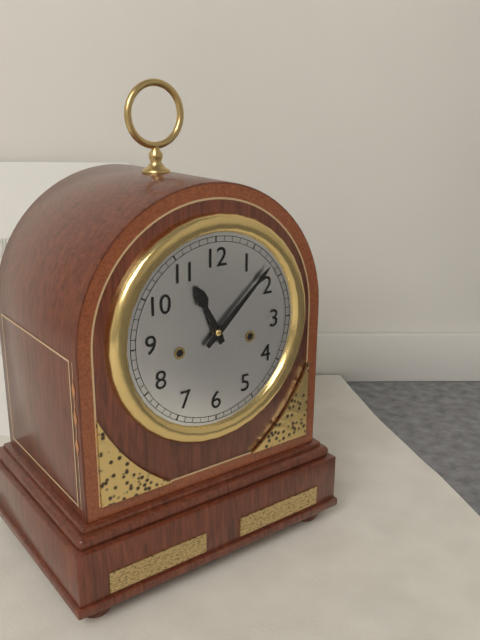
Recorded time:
11,08
